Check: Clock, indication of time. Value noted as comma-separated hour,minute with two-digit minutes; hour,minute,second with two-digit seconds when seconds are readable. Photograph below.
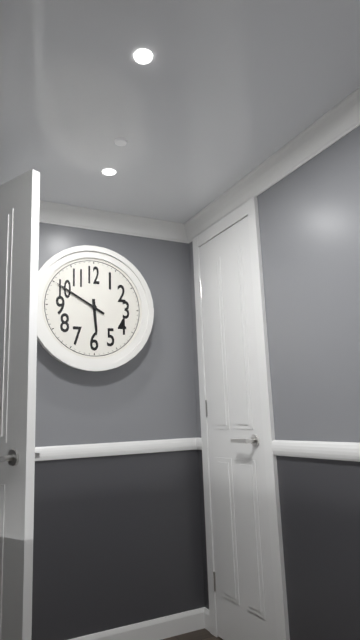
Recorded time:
5,50
